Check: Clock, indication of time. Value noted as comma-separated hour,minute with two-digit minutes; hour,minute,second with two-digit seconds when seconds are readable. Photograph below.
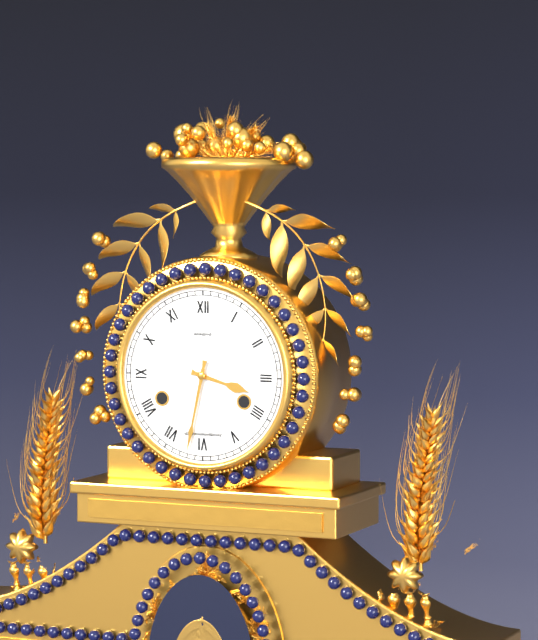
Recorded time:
3,32
